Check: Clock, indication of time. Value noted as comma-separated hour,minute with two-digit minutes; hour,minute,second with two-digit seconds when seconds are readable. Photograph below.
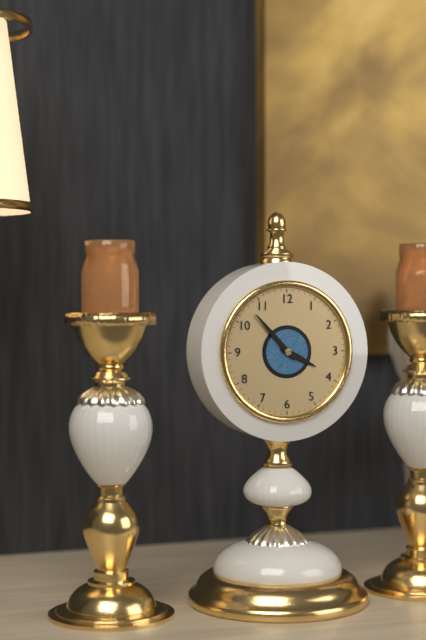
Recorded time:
3,53
